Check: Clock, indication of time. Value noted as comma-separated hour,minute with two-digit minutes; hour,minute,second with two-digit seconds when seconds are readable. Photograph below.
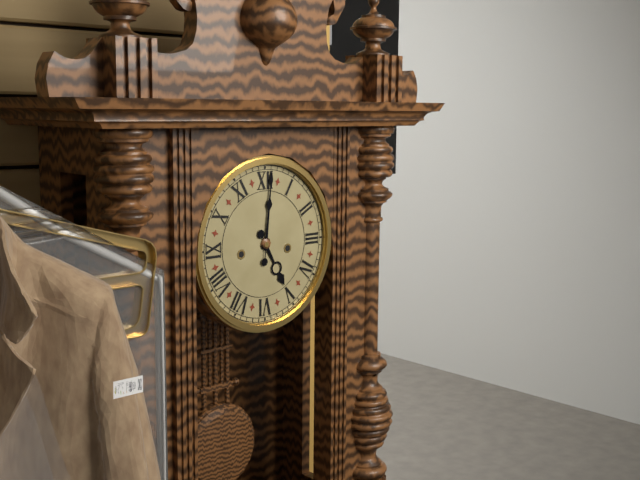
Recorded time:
5,01
